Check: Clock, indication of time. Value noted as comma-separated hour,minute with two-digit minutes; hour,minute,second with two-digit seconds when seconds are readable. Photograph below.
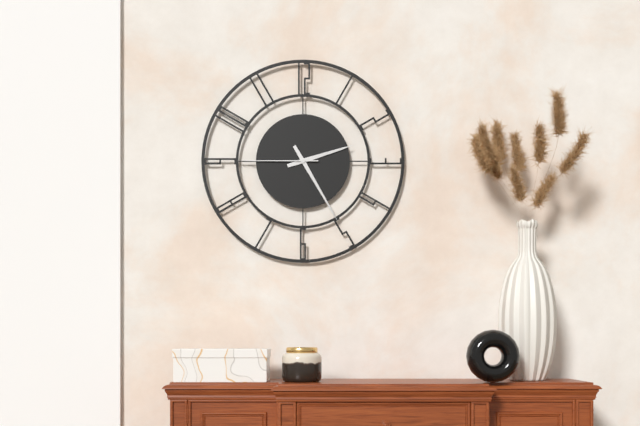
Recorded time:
2,25,45
